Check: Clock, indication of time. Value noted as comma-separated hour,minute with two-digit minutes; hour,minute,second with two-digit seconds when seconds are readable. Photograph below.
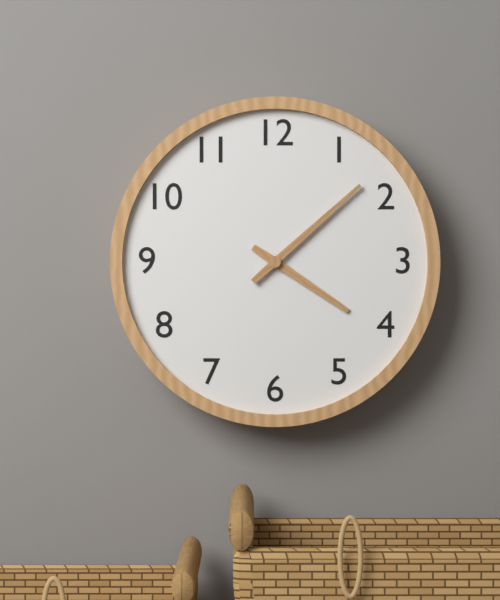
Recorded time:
4,08
